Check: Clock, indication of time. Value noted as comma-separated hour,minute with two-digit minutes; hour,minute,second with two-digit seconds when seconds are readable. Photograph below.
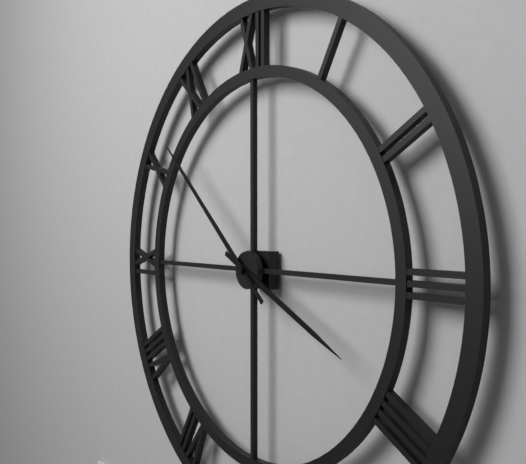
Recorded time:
3,52
